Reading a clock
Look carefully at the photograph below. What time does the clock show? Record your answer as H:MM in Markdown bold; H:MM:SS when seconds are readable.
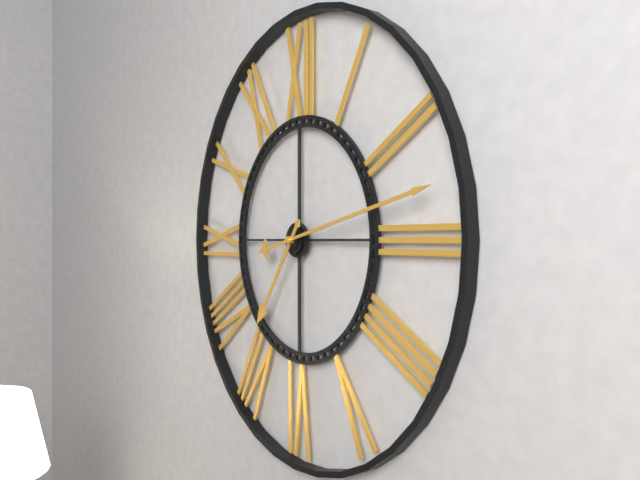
**7:13**
